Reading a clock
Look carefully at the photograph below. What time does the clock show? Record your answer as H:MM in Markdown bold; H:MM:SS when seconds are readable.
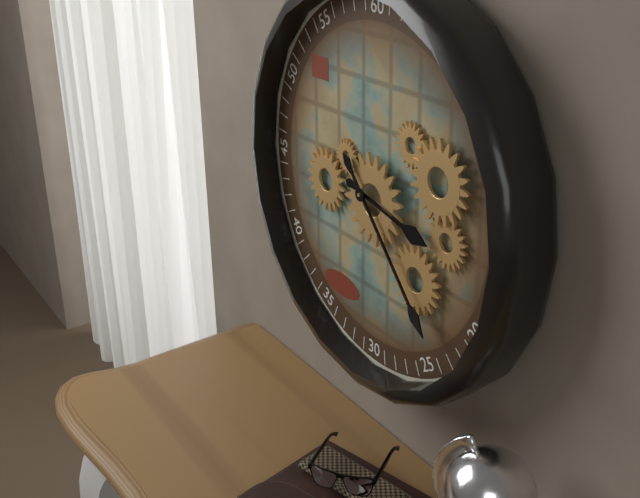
**3:23**
